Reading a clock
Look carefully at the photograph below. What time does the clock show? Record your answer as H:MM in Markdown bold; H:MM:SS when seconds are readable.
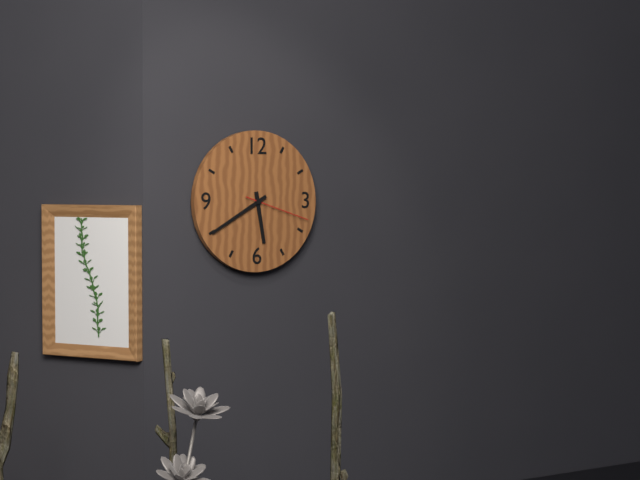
**5:40:18**
